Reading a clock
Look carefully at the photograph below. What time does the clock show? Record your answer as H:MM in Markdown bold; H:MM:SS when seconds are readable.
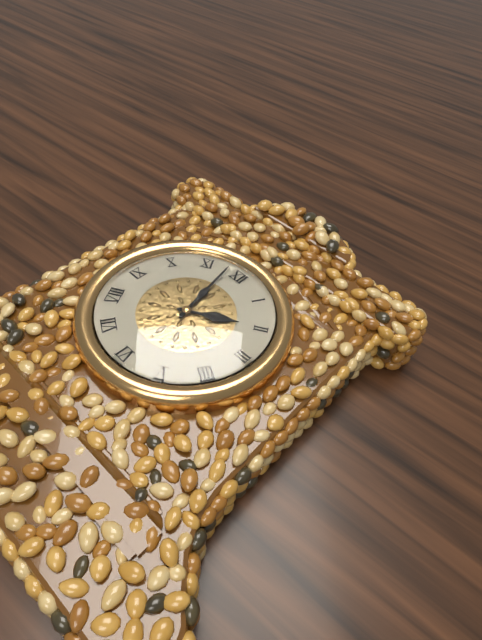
**1:58**
